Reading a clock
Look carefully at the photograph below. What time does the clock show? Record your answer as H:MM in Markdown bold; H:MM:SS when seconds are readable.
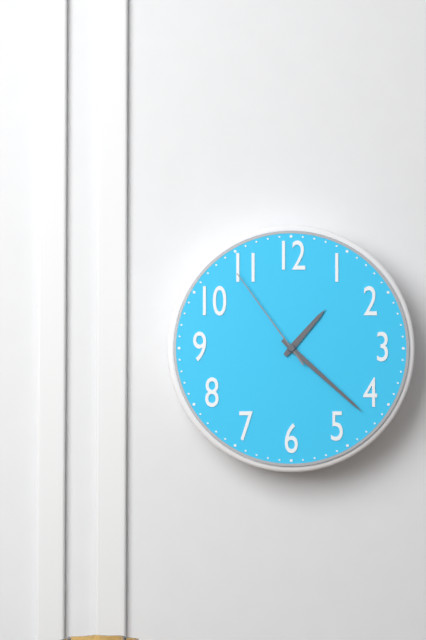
**1:22:54**
